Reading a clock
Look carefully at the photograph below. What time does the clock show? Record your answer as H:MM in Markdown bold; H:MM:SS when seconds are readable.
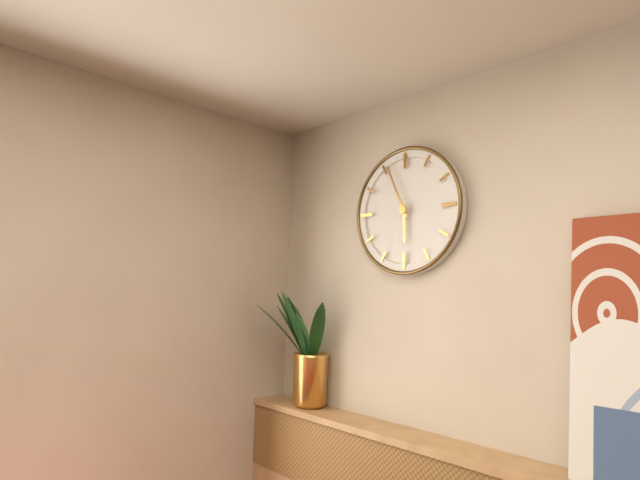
**5:56**
